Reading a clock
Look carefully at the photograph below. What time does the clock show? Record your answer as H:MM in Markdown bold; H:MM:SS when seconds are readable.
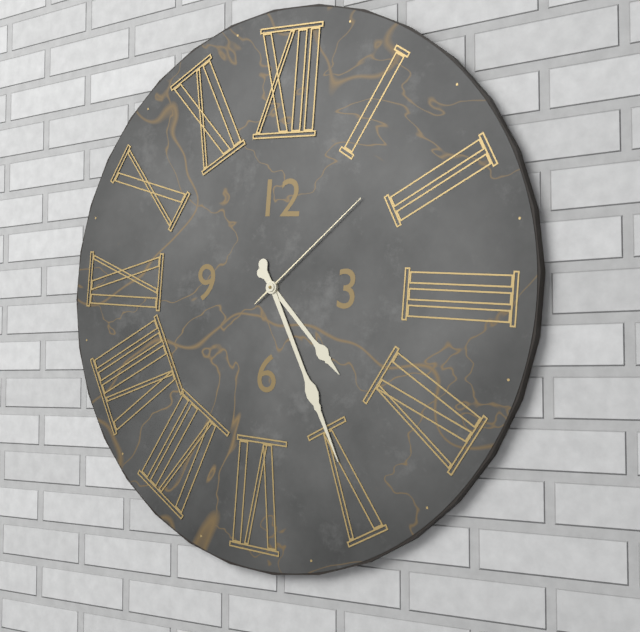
**4:25:08**
